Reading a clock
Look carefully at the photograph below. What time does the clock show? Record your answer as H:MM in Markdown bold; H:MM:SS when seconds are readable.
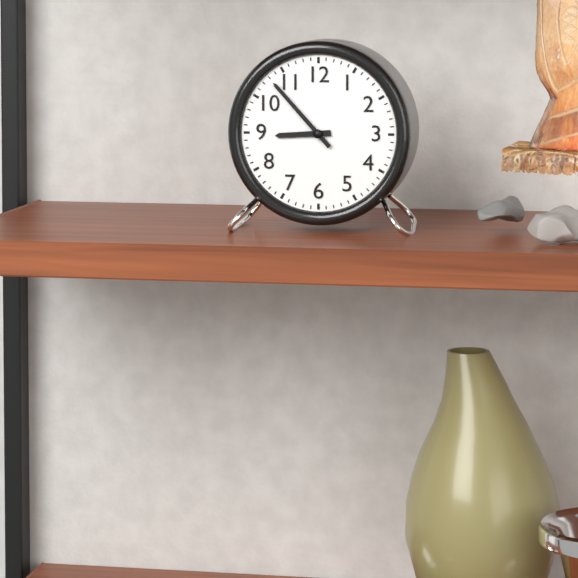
**8:53**
